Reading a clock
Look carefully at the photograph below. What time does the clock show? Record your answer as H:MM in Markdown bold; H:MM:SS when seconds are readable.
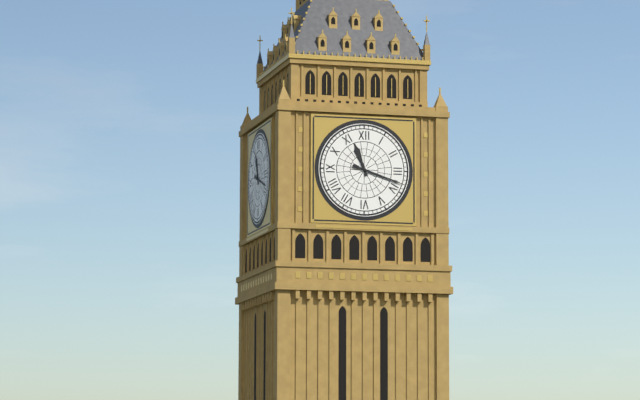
**11:18**
